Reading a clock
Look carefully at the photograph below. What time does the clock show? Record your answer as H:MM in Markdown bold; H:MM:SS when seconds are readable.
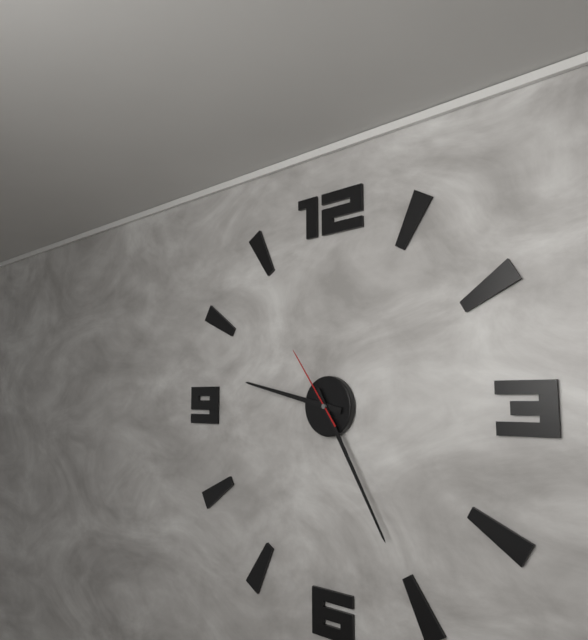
**9:25:54**
